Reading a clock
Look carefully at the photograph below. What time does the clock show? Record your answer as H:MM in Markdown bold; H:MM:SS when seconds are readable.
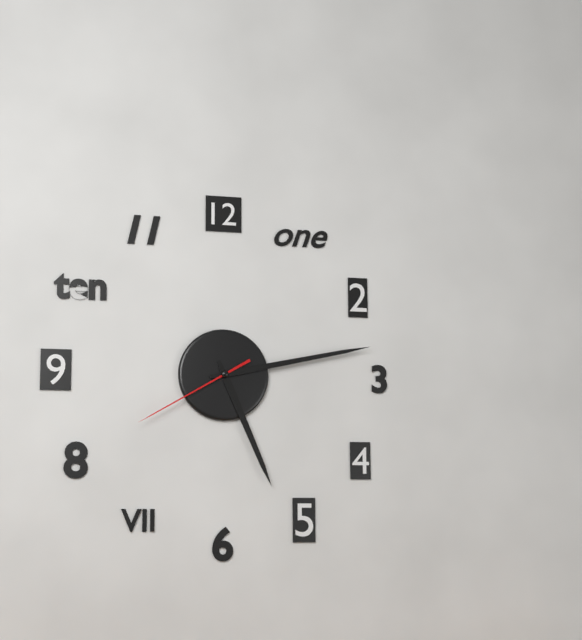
**5:13:40**
